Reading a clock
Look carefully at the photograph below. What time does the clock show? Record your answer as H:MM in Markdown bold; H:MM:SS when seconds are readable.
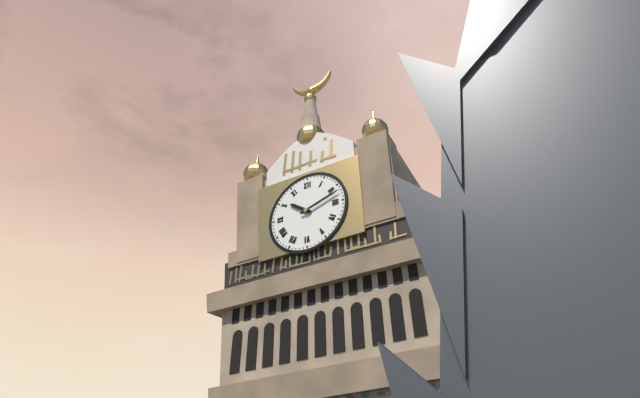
**10:12**
